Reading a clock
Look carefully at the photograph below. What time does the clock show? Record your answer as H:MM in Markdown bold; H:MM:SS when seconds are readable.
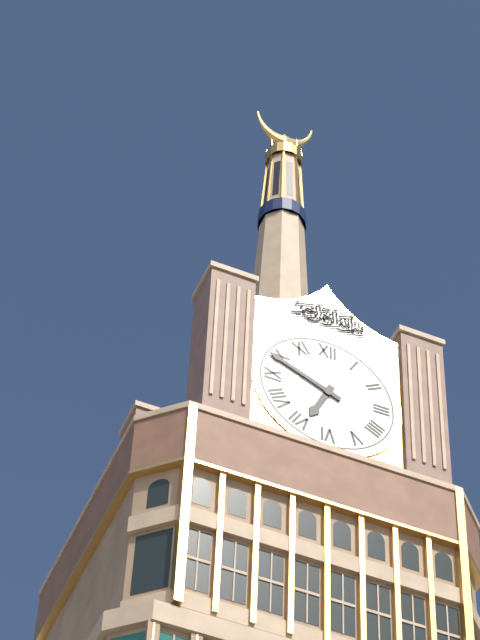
**6:49**
